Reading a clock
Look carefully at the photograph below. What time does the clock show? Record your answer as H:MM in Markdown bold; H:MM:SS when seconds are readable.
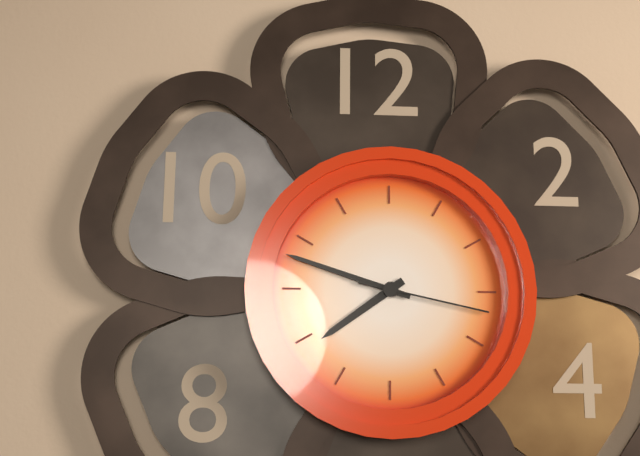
**7:48:17**
